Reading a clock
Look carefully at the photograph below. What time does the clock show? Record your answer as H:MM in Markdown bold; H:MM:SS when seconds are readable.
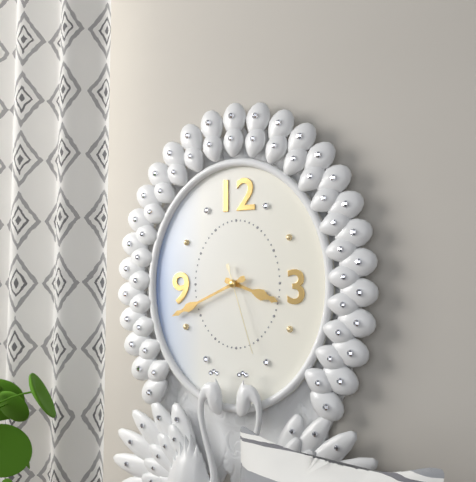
**3:41:27**
